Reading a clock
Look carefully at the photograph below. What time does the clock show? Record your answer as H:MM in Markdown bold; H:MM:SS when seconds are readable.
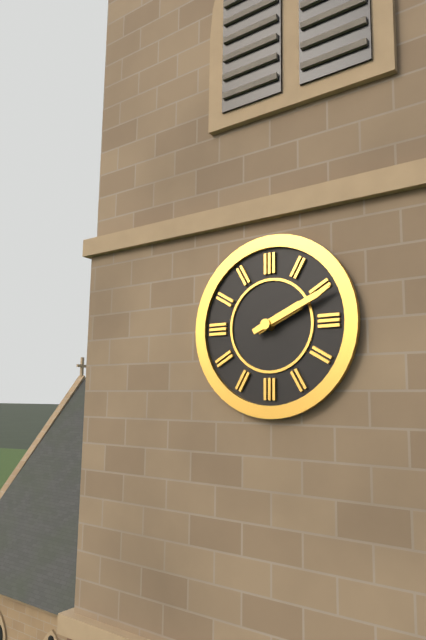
**2:11**
